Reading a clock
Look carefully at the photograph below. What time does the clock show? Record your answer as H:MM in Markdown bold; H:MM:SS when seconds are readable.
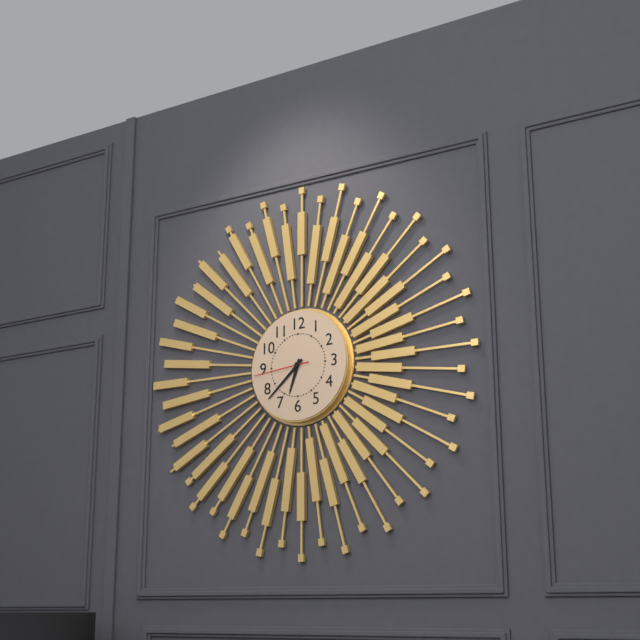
**6:38:44**
